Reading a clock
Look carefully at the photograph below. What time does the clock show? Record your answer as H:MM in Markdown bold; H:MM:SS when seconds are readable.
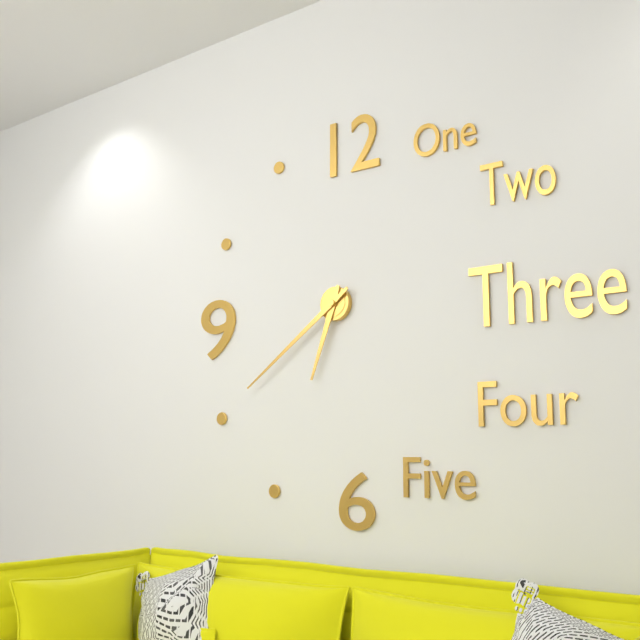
**6:39**
